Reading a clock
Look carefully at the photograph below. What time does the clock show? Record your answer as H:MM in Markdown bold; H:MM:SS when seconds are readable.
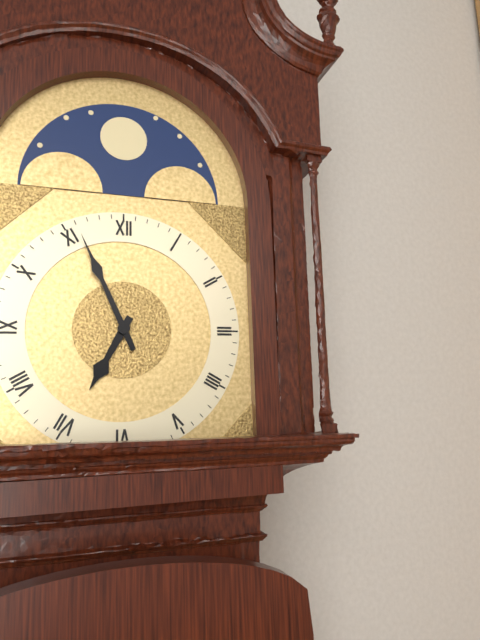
**6:56**
